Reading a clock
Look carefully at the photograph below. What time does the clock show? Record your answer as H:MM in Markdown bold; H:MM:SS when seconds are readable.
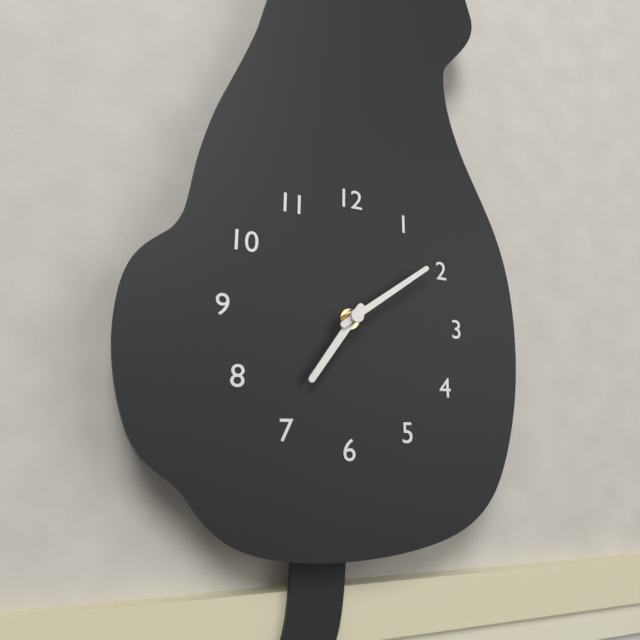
**7:09**
